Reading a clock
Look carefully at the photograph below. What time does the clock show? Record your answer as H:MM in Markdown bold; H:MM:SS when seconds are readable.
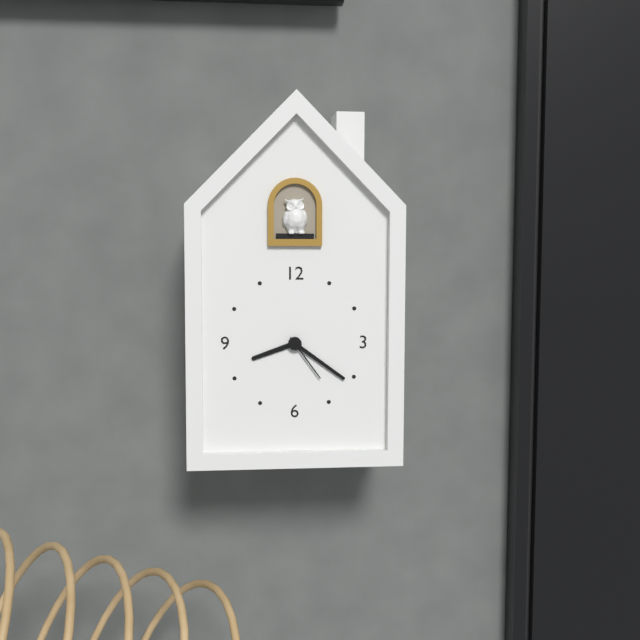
**8:21:24**
